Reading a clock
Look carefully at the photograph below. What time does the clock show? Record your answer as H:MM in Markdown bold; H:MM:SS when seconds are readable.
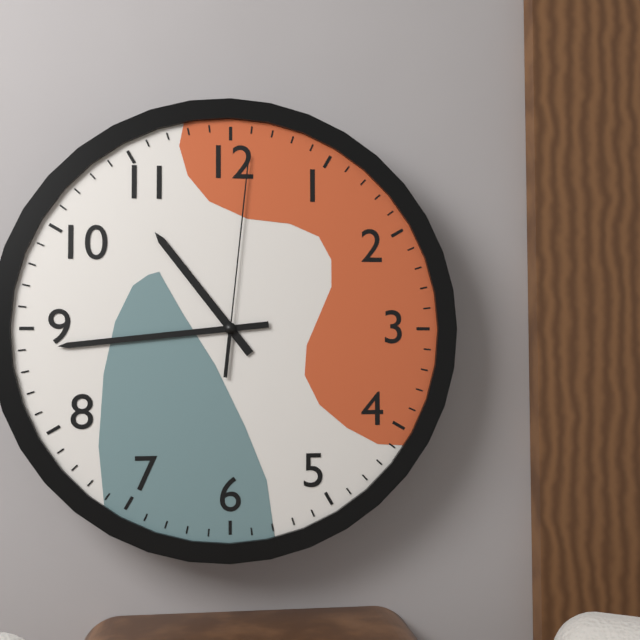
**10:44:01**
